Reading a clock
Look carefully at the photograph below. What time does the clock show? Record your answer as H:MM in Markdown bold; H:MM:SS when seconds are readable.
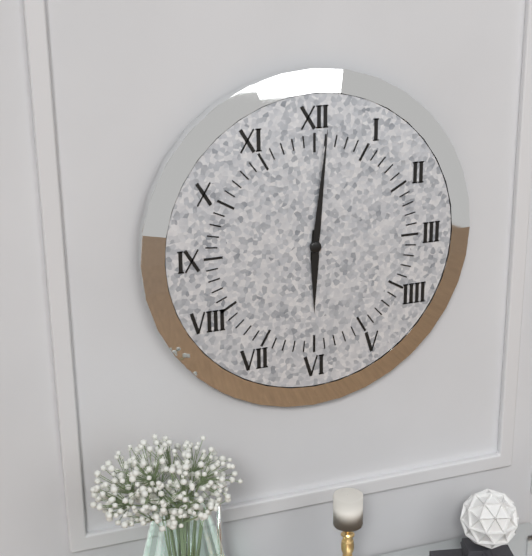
**6:01**
